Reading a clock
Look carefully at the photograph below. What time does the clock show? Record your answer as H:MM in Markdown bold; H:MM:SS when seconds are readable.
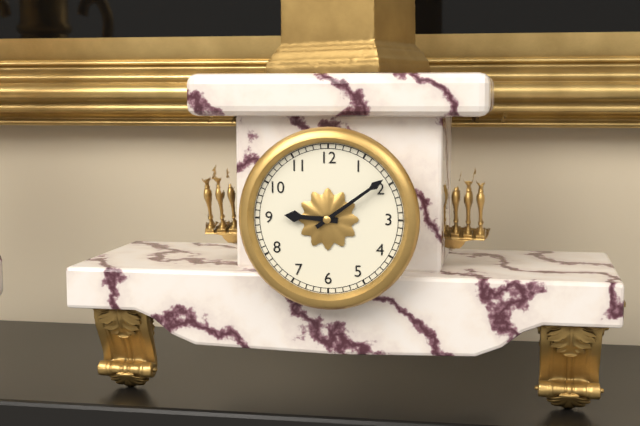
**9:09**
